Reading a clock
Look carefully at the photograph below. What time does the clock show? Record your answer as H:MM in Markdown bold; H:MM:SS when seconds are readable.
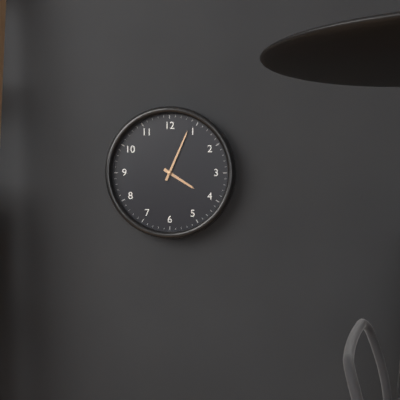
**4:04**
